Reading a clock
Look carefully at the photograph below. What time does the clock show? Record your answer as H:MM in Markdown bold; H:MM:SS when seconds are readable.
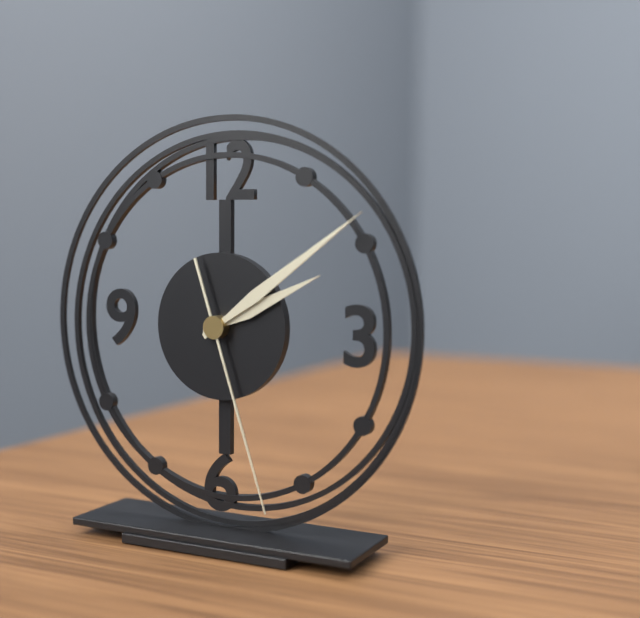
**2:09:27**
